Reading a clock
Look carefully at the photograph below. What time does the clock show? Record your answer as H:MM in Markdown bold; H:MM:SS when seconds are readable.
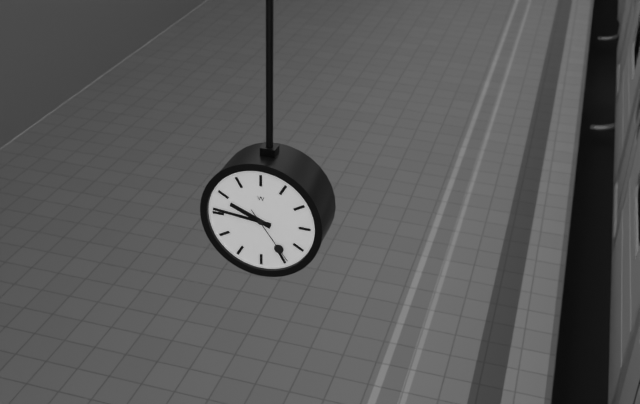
**9:46:24**
